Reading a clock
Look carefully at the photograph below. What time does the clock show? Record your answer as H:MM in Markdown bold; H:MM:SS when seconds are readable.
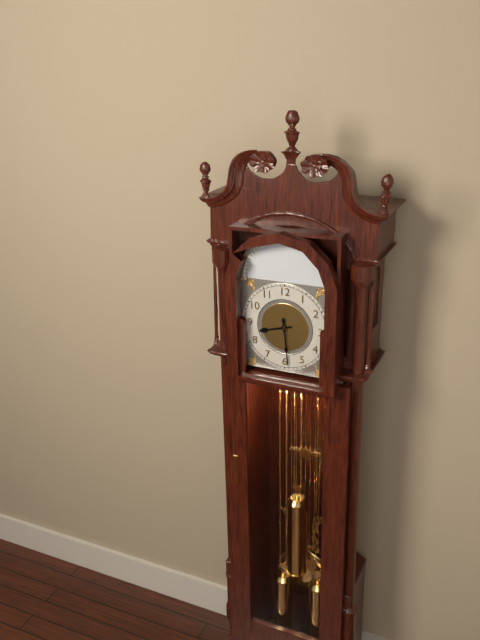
**8:29**
